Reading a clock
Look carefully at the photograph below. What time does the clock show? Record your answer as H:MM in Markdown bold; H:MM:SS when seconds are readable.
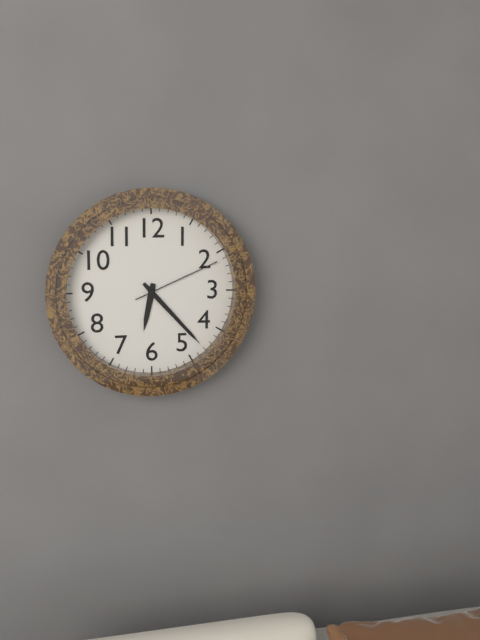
**6:23:11**
